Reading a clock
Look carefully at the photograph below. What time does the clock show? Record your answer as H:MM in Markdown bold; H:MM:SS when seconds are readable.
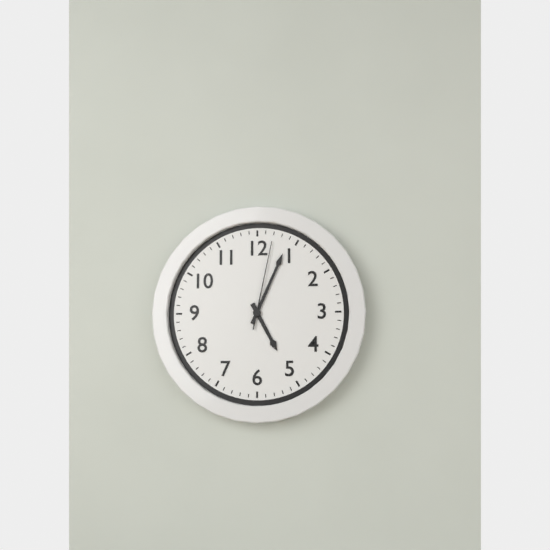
**5:04:02**
